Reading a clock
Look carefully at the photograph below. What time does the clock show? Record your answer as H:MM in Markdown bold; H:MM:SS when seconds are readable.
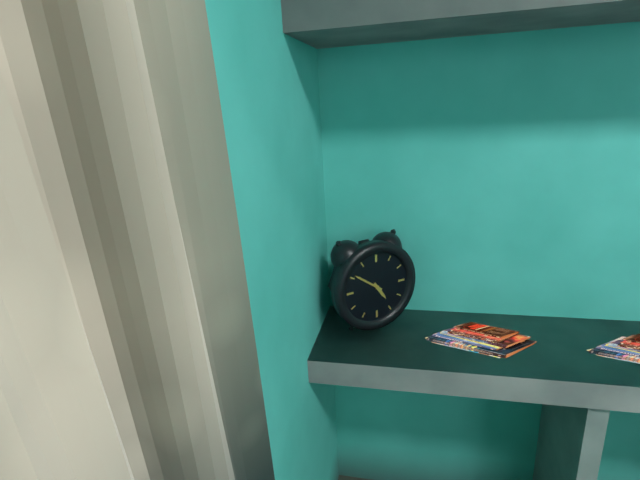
**4:51**
